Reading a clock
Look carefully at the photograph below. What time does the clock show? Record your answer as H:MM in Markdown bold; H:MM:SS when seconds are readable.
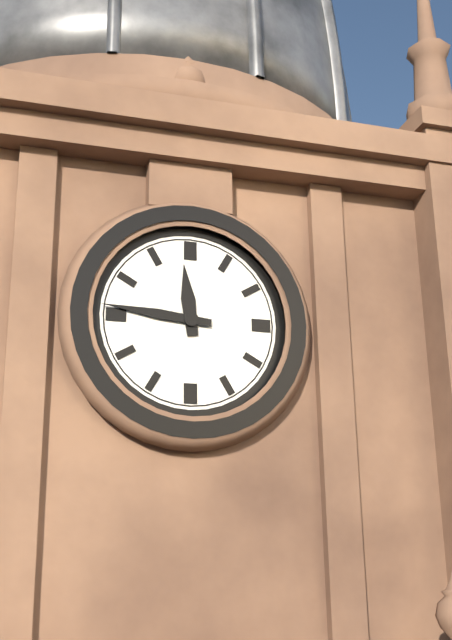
**11:46**
